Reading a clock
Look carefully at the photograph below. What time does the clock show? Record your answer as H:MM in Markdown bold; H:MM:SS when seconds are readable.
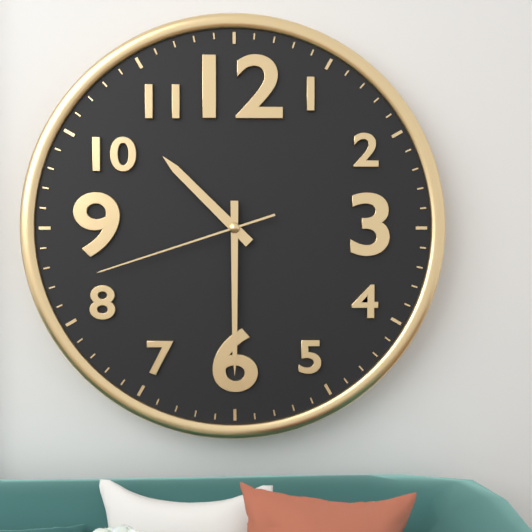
**10:30:42**
